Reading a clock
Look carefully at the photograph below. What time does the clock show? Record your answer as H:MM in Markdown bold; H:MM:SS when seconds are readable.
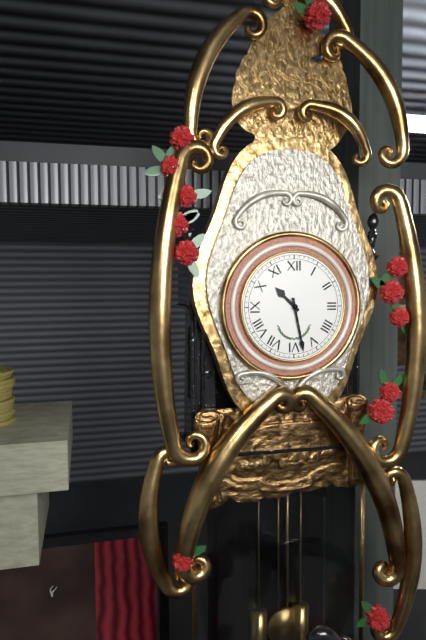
**10:28**
